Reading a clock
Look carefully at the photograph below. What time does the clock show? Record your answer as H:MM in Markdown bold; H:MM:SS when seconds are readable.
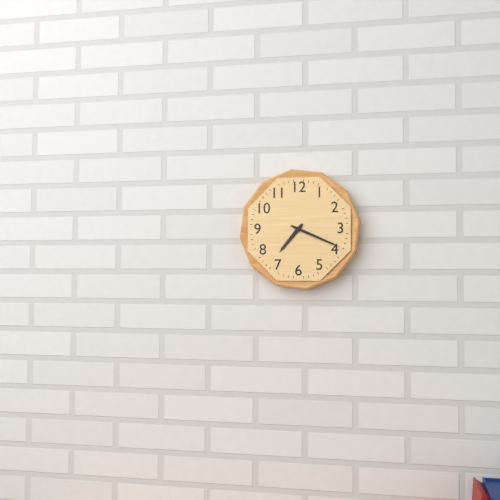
**7:19**
